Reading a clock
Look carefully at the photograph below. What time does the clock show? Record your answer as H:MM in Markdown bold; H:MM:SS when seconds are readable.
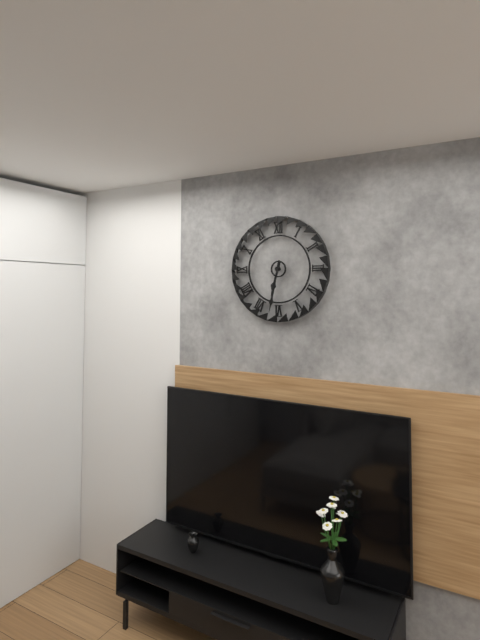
**6:32**
